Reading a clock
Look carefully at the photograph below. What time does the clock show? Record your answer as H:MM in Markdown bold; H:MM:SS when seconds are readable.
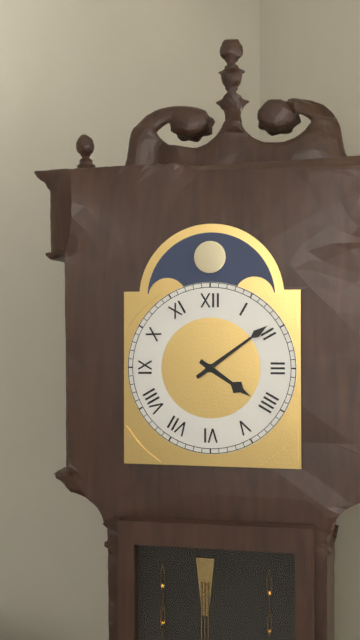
**4:09**
